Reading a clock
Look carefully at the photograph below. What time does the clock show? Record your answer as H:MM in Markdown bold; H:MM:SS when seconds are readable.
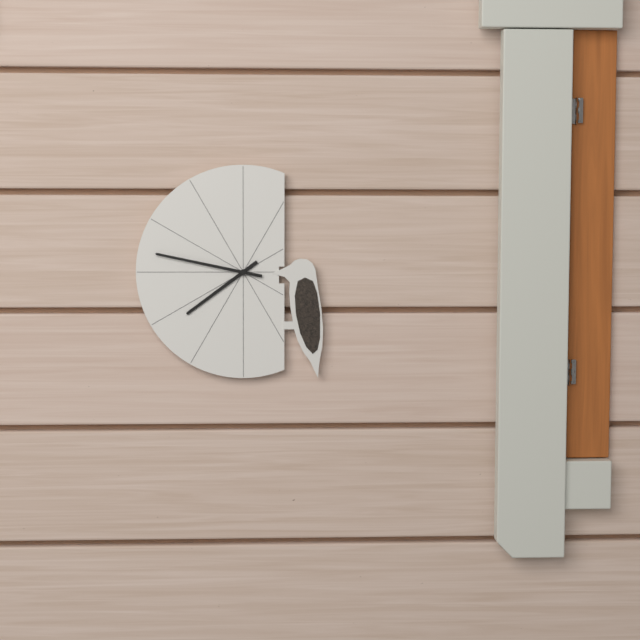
**7:47**
